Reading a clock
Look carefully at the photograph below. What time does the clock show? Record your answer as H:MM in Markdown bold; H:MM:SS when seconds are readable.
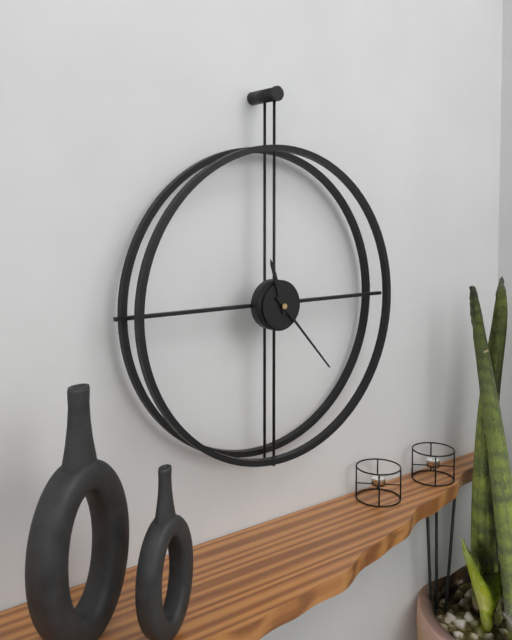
**11:23**
